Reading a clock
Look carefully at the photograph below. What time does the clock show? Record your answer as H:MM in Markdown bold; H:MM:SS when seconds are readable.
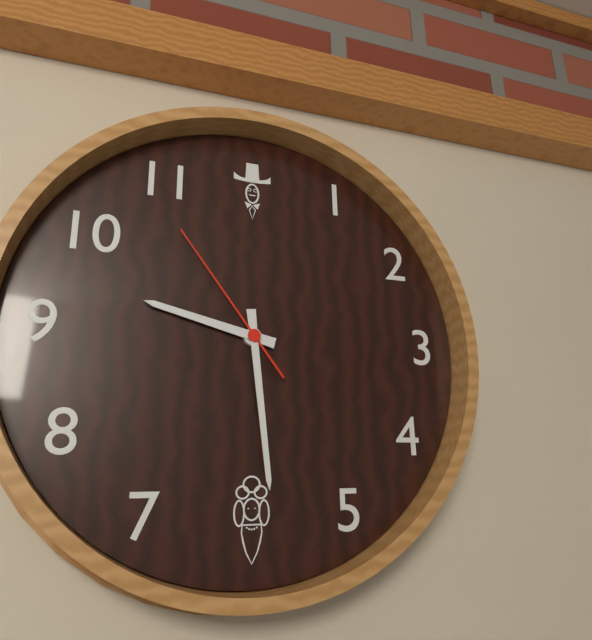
**9:29:54**
